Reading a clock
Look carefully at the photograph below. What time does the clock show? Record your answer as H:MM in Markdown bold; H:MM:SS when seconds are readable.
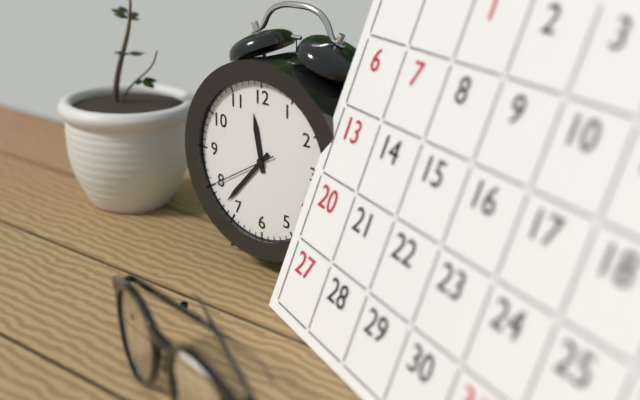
**11:37:40**
